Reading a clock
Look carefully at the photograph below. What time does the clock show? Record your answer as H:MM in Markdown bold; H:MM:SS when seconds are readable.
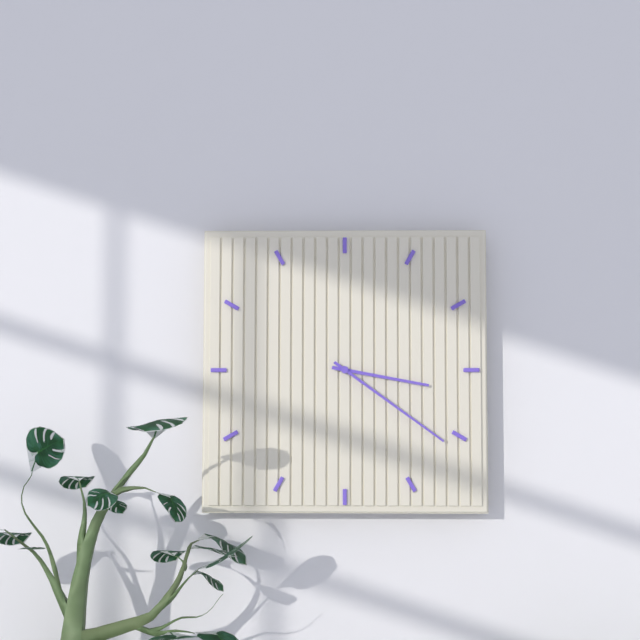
**3:21**
